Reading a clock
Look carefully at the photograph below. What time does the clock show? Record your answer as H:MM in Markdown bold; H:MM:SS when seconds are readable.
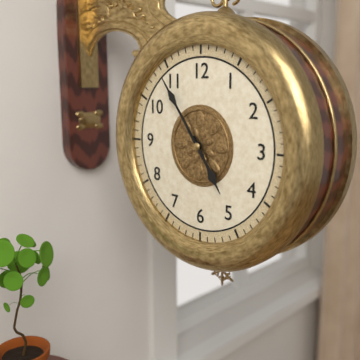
**4:54**
